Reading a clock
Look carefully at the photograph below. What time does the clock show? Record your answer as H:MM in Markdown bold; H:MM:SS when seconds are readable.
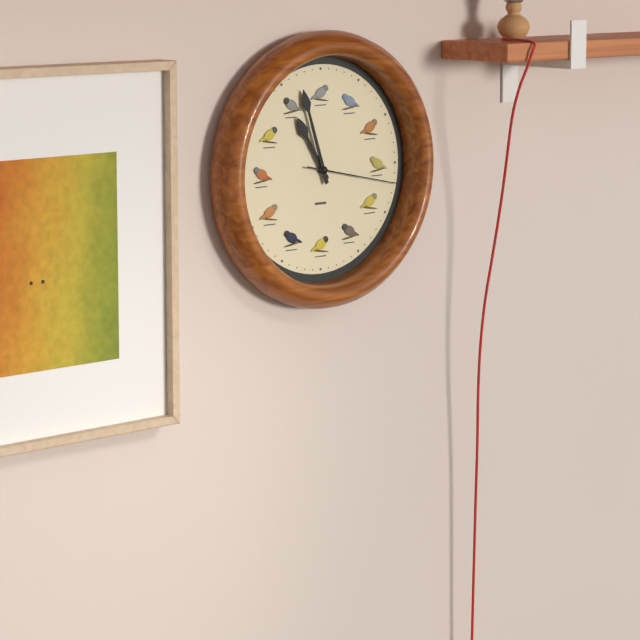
**10:57:17**
